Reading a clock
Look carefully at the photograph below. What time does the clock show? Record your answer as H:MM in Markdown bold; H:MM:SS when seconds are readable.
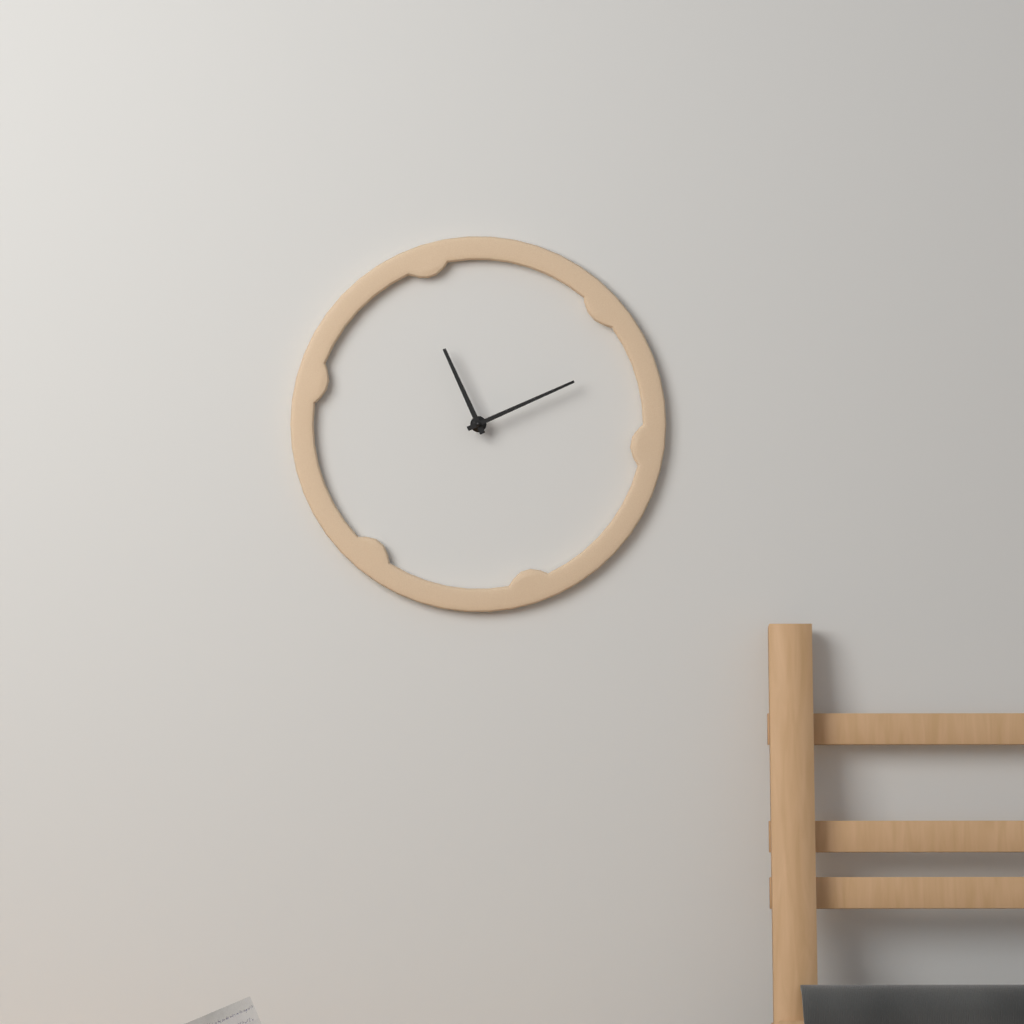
**11:11**
